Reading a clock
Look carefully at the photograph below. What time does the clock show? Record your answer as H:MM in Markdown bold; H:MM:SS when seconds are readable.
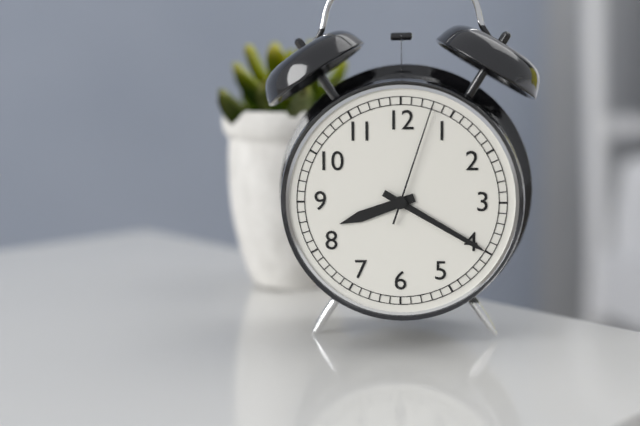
**8:20:03**
